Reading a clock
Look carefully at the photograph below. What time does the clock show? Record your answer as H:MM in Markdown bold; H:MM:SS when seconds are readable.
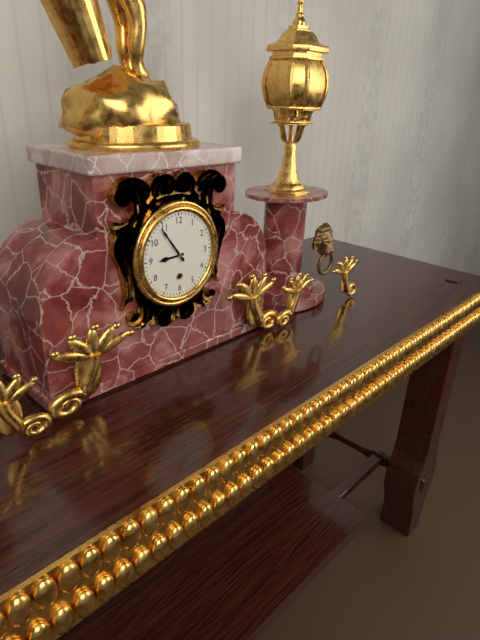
**8:54**
